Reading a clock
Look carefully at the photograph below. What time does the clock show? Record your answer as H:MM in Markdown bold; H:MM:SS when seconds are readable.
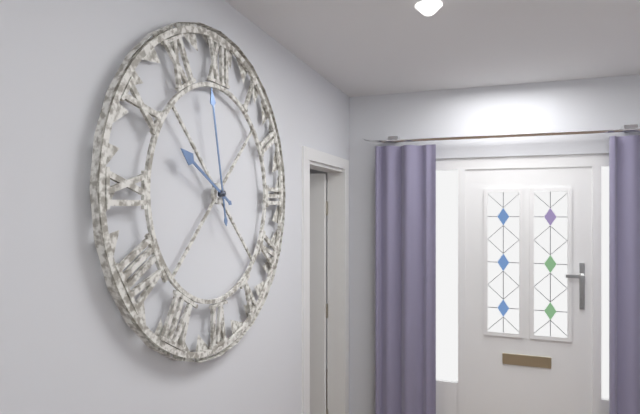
**9:58**
